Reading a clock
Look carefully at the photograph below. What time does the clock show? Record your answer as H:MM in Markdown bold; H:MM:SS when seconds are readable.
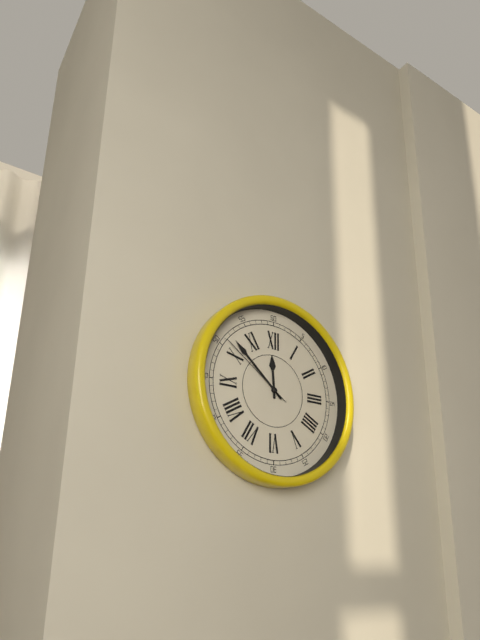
**11:52:51**
